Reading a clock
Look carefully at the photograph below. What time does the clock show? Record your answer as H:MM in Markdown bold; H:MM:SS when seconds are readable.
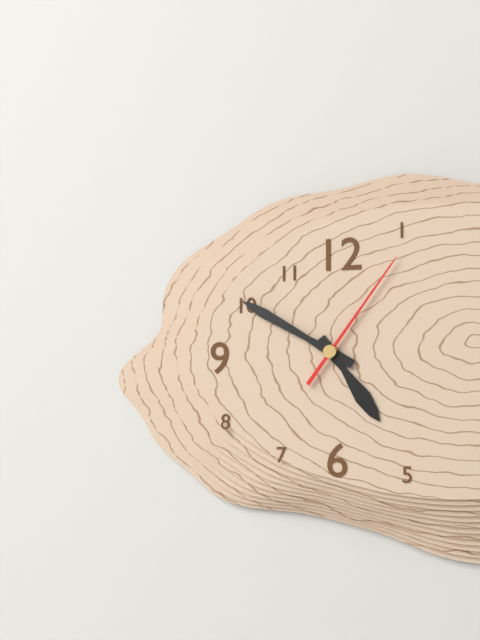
**4:50:06**
